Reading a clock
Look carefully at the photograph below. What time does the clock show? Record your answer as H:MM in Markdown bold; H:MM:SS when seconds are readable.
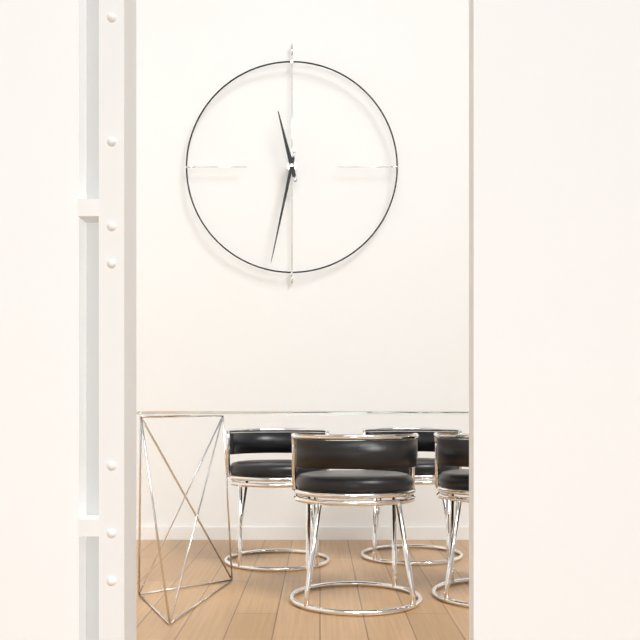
**11:32**
